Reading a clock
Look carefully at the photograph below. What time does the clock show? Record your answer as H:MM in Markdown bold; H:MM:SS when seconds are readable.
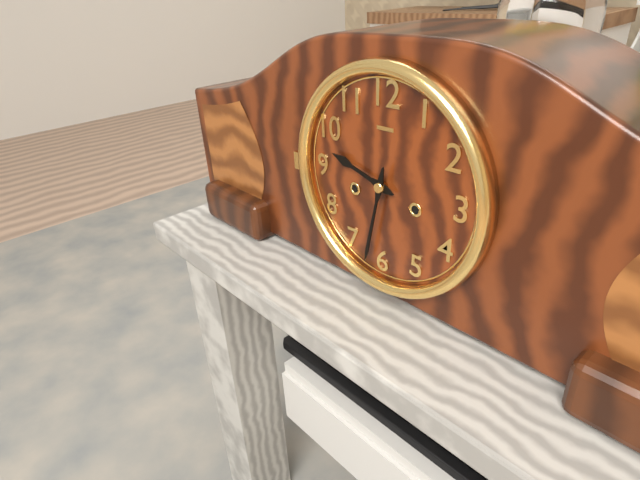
**9:32**
